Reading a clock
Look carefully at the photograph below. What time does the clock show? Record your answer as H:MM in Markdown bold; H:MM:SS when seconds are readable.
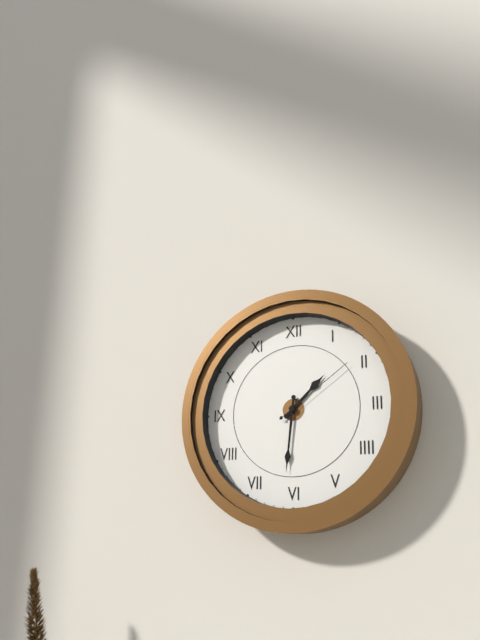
**1:31:09**
